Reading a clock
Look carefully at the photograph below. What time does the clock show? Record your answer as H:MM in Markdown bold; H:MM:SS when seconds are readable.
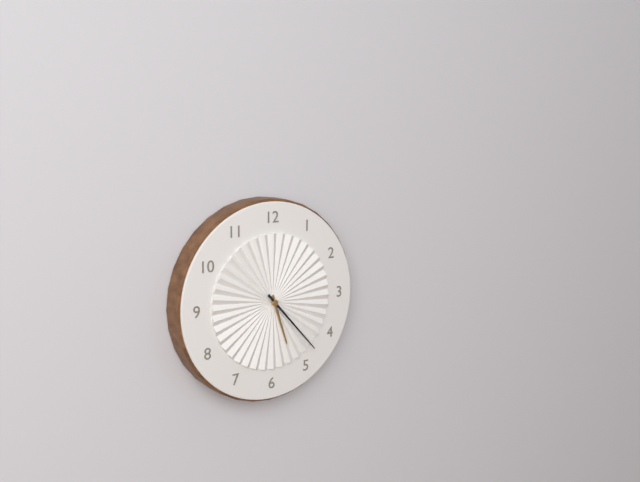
**5:23**
